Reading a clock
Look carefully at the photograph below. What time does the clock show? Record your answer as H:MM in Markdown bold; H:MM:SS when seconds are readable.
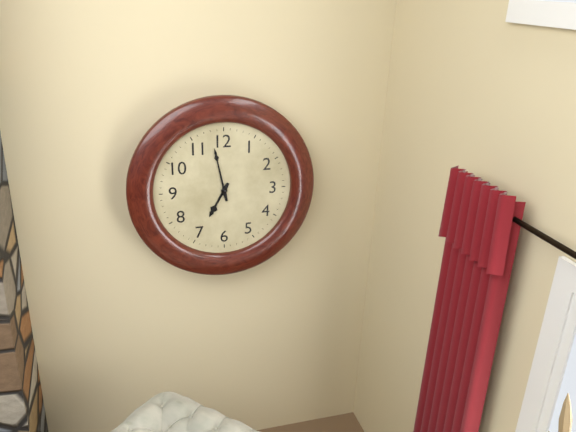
**6:58**
